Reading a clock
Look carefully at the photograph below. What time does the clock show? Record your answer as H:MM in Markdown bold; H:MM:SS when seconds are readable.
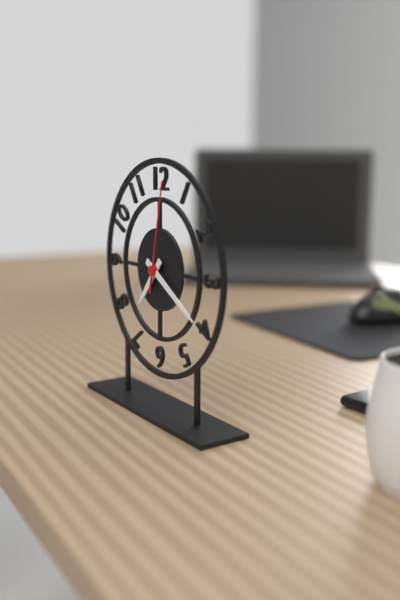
**7:20:02**
